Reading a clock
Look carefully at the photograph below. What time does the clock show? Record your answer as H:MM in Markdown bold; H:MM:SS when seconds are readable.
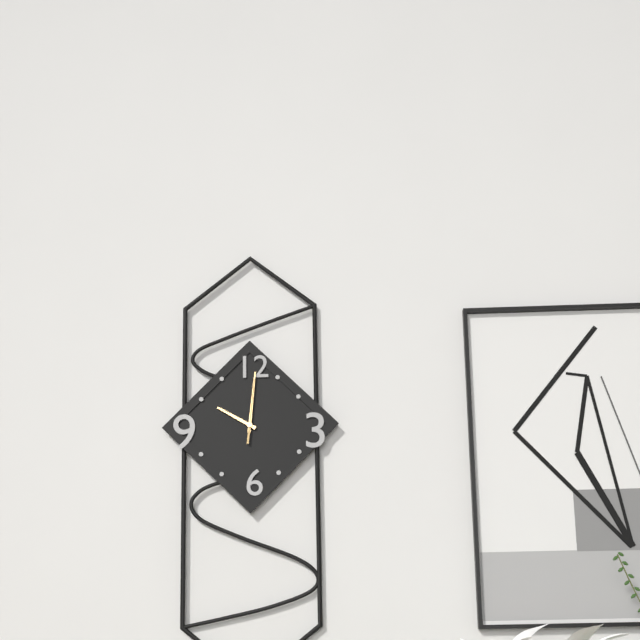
**10:01:01**
